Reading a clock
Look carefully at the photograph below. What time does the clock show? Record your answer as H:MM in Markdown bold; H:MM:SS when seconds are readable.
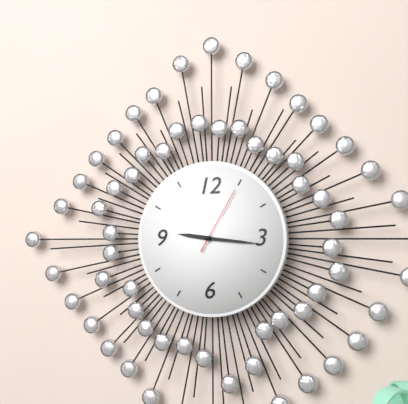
**9:16:05**
